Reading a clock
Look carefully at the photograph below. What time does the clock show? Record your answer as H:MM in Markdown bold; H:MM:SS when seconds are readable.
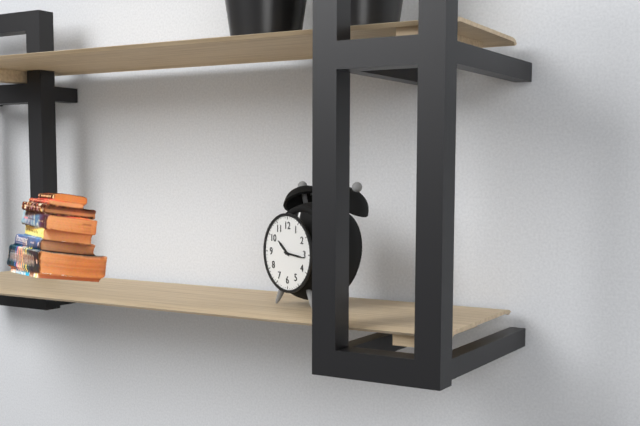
**10:16**
